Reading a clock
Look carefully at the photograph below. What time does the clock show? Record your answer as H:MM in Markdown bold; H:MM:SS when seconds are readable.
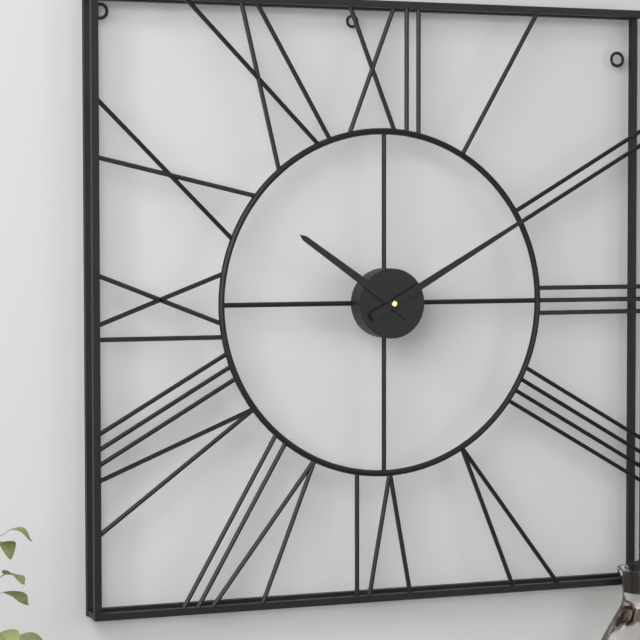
**10:10**
